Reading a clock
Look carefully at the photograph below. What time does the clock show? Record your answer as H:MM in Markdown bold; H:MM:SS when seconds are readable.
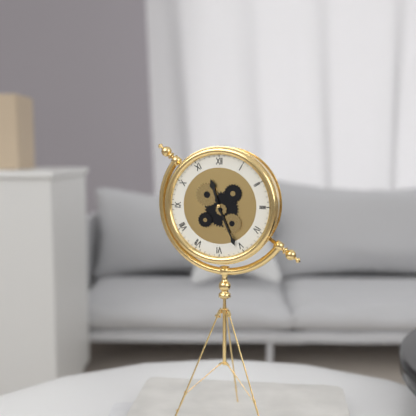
**11:26**
